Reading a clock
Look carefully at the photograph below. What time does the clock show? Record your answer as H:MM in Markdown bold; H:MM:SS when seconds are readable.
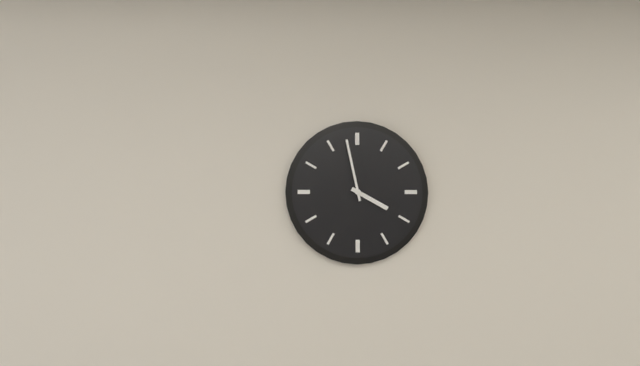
**3:58**
